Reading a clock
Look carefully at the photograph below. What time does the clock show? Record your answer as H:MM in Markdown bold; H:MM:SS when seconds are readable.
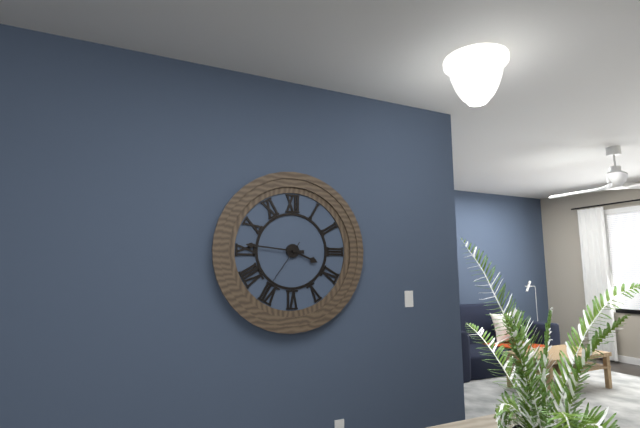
**3:46:36**
